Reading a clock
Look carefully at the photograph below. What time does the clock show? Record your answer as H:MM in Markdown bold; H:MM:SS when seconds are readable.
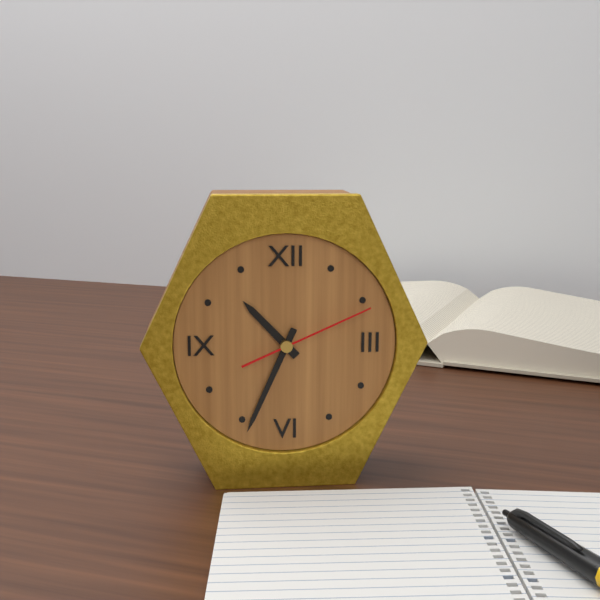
**10:34:11**
